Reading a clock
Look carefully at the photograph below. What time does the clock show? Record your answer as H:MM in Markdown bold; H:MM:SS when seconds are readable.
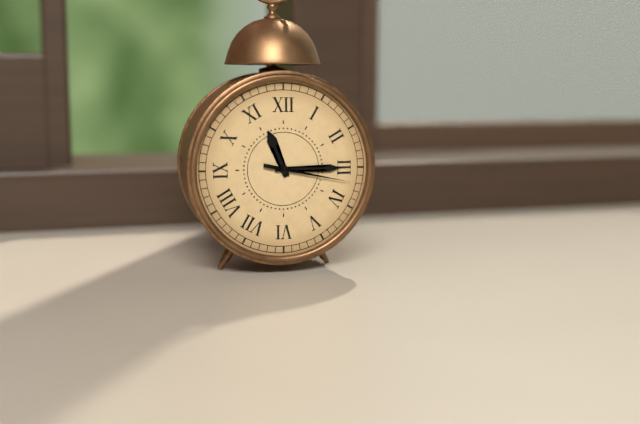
**11:15:17**
